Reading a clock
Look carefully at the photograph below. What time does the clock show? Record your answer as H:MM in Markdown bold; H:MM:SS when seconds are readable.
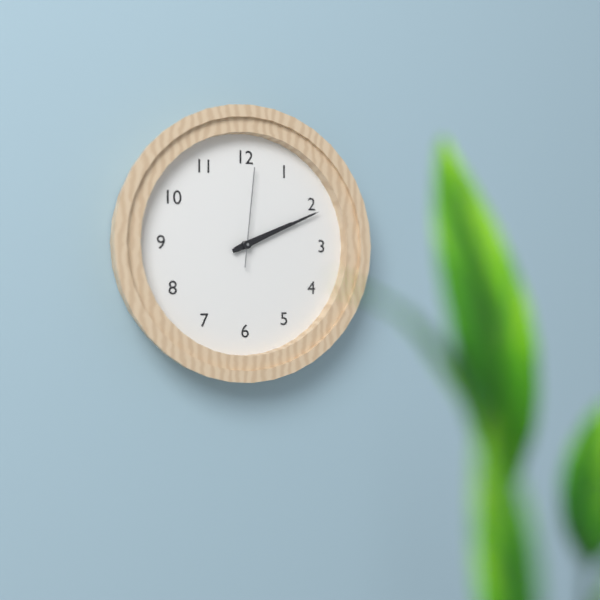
**2:11:01**
